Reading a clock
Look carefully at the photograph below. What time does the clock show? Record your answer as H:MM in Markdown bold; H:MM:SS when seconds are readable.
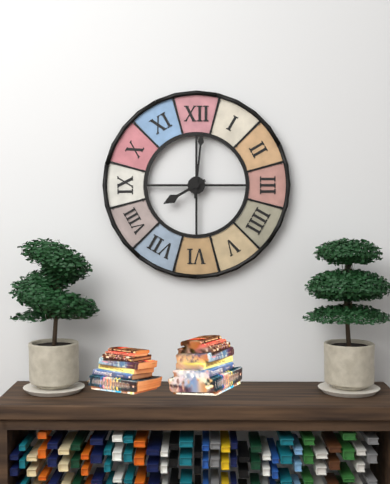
**8:01**
